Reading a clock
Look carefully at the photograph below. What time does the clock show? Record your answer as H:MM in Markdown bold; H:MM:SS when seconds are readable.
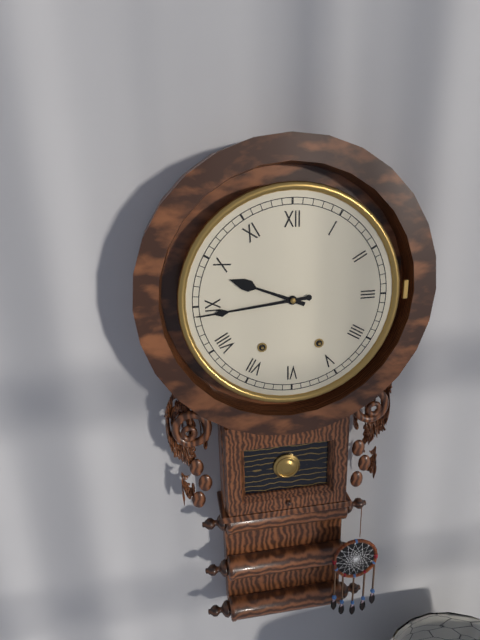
**9:44**
